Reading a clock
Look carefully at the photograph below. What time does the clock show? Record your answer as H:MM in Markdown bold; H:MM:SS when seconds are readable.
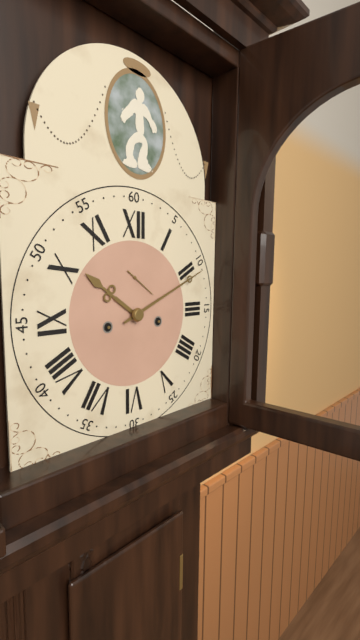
**10:11**
